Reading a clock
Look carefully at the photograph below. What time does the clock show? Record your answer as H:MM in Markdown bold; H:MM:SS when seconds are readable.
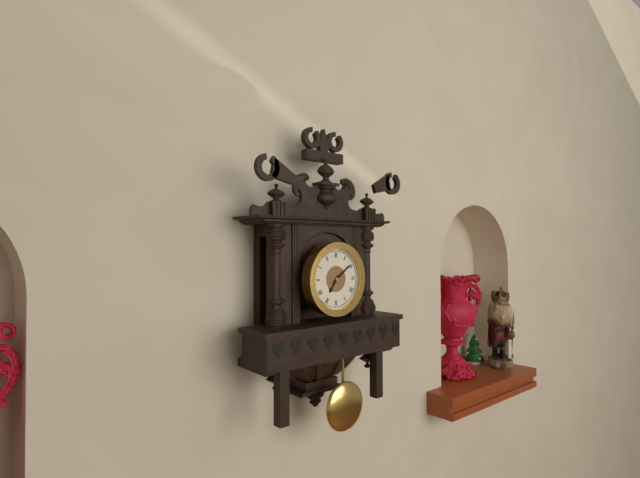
**7:09**
